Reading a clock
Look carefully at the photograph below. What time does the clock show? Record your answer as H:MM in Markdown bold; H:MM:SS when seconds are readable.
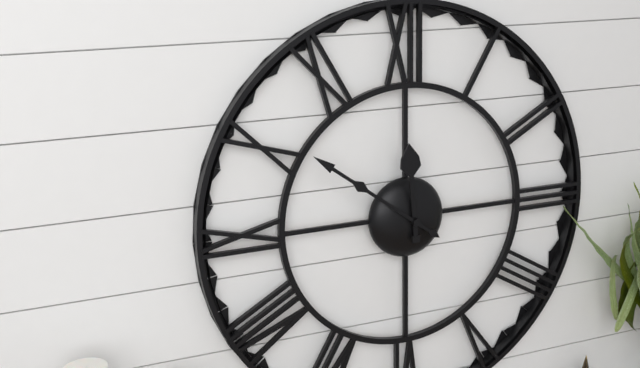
**11:51**
